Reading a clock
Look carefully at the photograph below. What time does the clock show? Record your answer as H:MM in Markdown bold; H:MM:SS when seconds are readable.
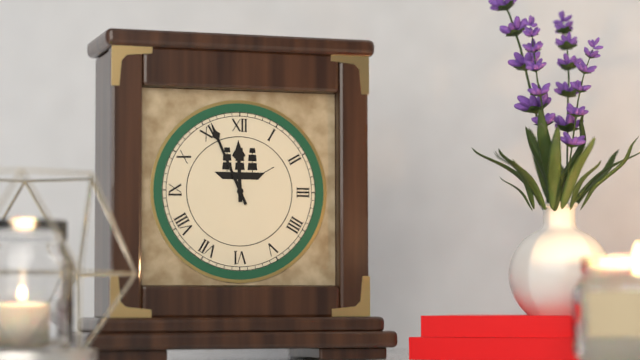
**11:56**
